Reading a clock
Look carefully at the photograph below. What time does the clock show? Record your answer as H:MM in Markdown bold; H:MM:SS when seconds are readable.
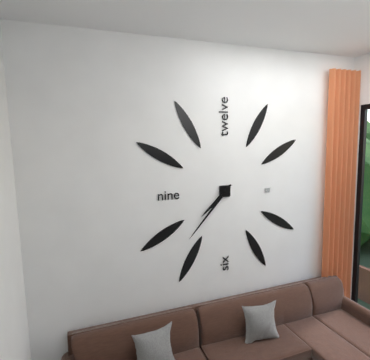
**7:37**
